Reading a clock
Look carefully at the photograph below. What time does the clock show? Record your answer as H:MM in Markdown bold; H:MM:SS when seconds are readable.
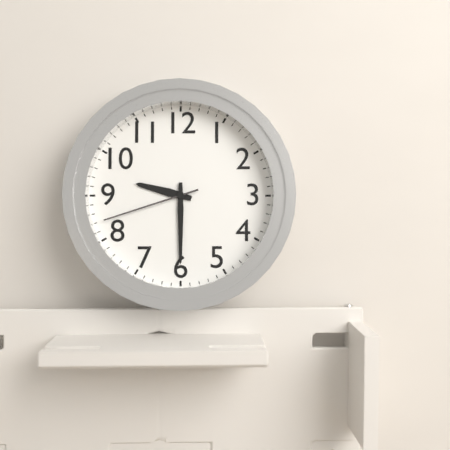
**9:30:42**
